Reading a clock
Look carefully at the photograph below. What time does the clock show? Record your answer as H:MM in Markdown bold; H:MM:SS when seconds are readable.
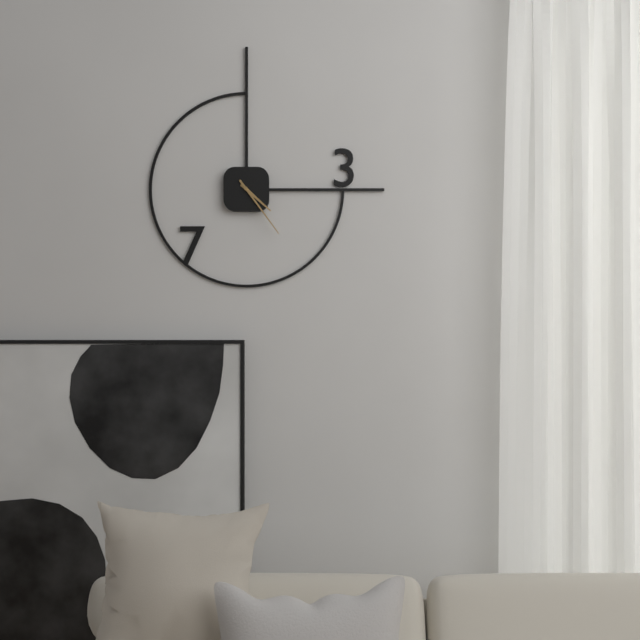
**4:24**
